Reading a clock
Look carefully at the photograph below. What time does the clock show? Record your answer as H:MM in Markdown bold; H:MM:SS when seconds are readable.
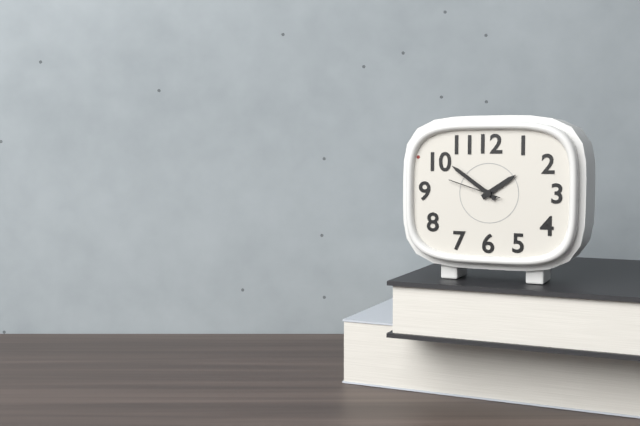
**1:51:48**
